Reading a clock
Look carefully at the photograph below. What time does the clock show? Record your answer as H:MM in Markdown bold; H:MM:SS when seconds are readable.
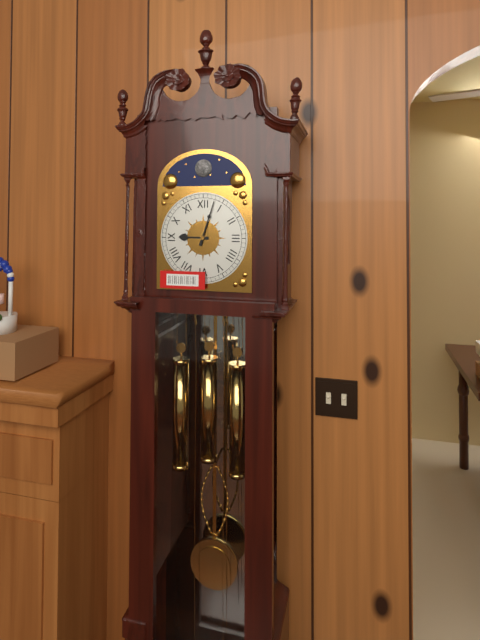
**9:03**
